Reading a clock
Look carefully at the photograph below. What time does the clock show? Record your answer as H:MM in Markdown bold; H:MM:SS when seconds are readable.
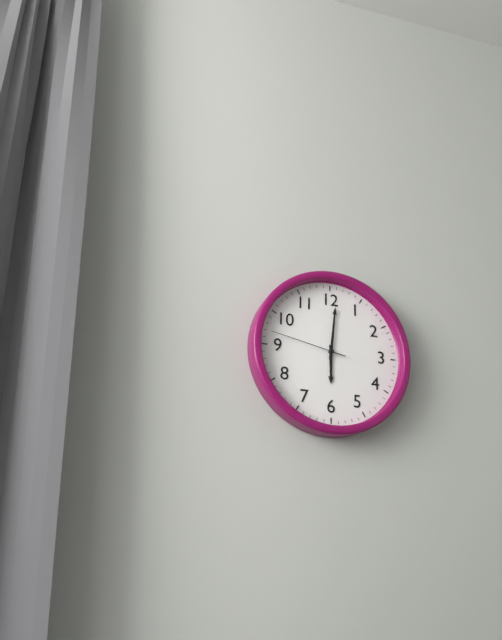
**6:01:47**
